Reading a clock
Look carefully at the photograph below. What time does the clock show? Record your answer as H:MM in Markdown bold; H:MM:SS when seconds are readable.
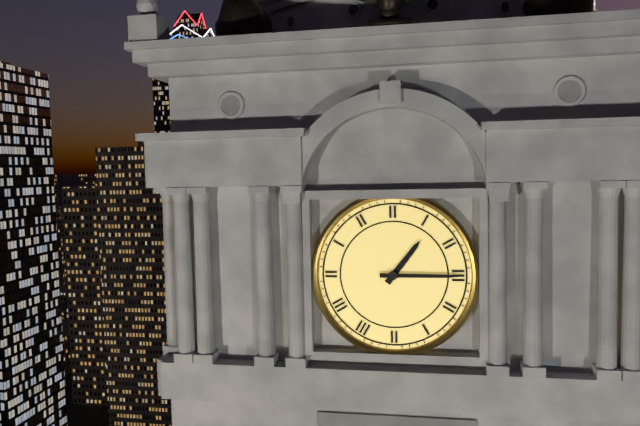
**1:15**
